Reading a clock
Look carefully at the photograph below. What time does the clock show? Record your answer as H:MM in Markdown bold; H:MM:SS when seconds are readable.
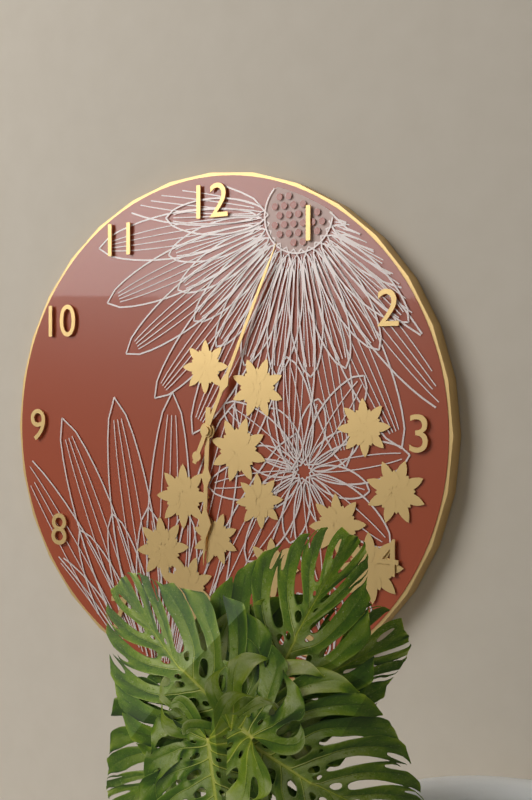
**6:04**
